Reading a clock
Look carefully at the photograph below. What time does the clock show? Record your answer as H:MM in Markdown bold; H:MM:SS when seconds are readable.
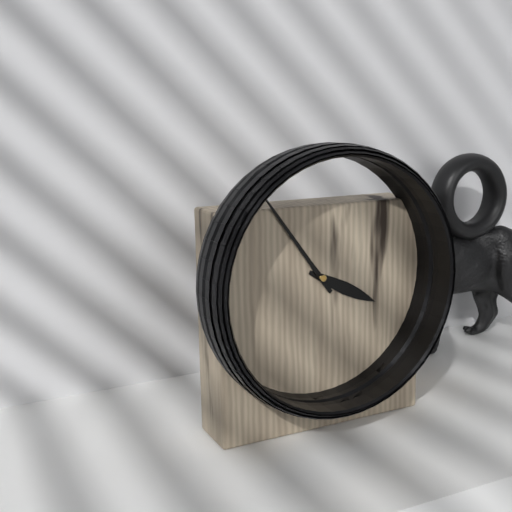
**3:54**
